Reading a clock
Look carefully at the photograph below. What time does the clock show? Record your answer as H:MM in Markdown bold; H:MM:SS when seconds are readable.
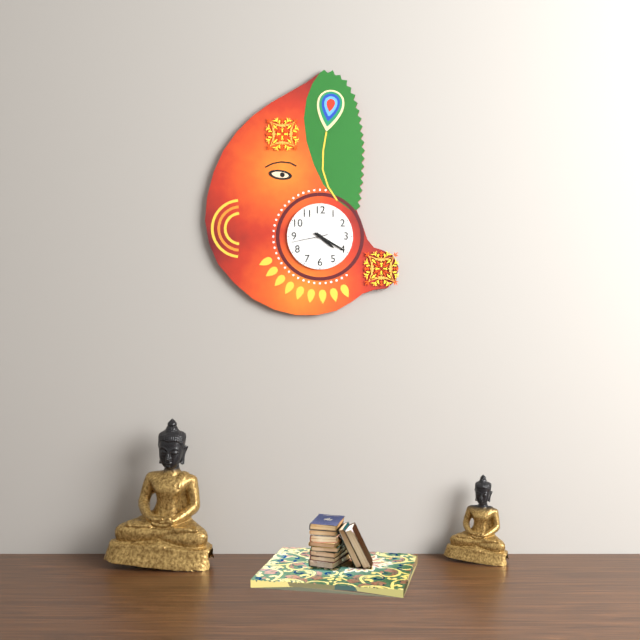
**4:20**
